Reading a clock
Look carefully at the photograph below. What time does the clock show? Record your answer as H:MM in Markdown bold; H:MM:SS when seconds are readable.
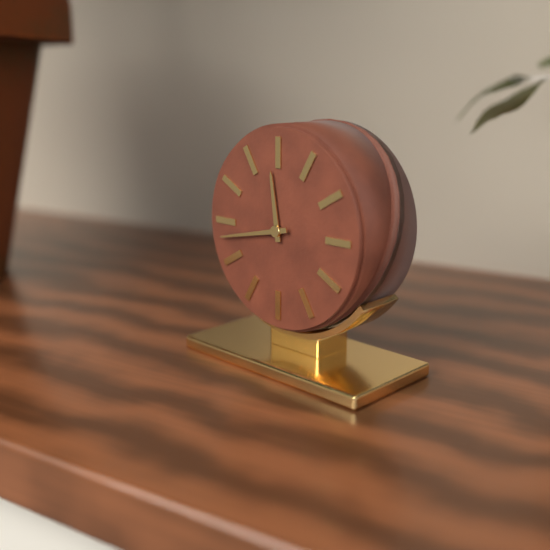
**11:43**
